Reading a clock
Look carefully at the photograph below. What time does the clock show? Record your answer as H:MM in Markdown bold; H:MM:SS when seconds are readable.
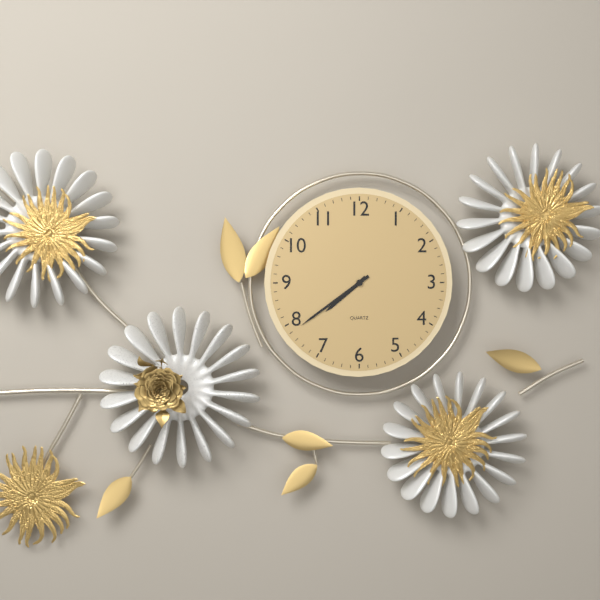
**7:39**
